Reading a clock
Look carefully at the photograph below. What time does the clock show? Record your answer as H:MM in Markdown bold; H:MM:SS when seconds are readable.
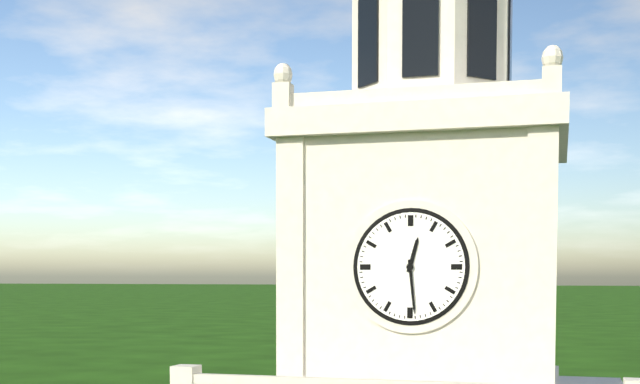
**12:29**
